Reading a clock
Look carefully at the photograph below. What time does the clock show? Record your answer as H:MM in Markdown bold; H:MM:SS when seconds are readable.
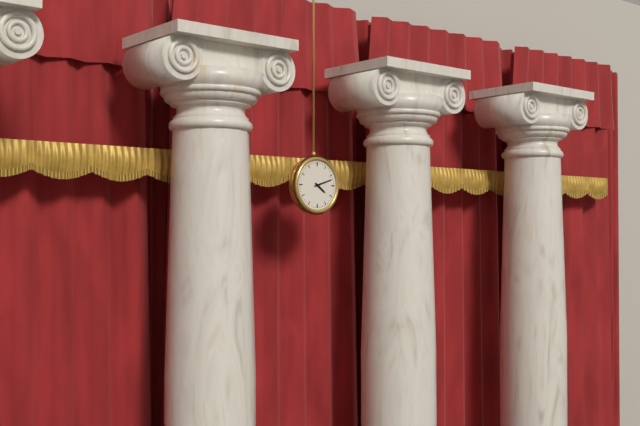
**4:12**
